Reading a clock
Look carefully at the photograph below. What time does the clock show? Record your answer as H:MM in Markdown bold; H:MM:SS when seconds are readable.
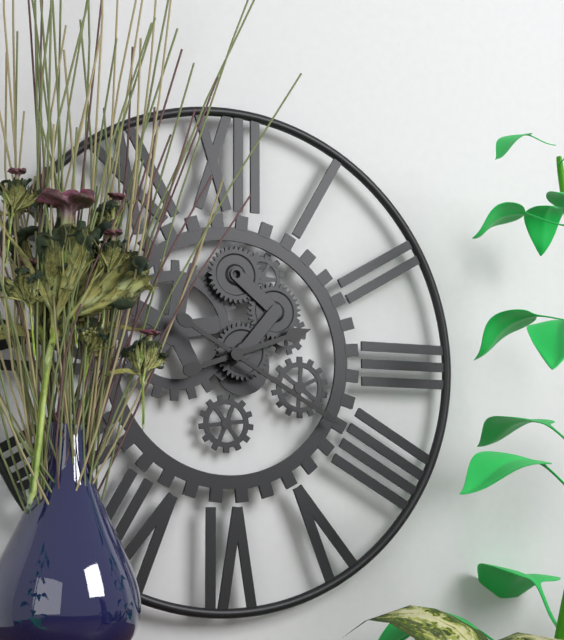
**2:20**
